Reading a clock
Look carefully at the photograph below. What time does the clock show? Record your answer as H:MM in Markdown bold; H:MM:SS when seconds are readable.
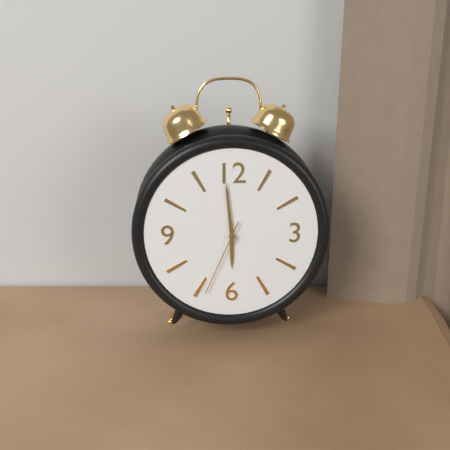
**5:59:34**
